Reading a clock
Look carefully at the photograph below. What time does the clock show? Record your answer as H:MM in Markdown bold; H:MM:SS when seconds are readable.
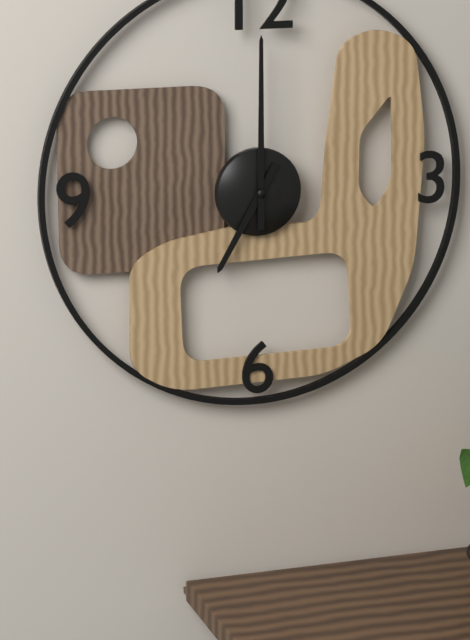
**7:00**
